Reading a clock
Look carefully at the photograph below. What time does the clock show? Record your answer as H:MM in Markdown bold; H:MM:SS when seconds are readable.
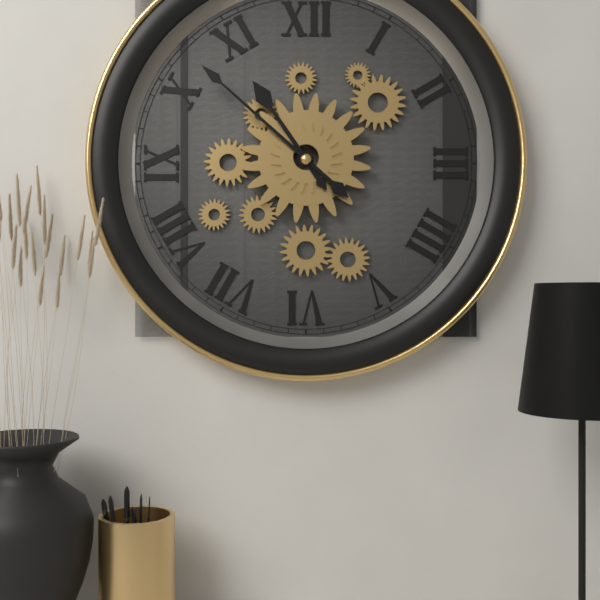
**10:52**
